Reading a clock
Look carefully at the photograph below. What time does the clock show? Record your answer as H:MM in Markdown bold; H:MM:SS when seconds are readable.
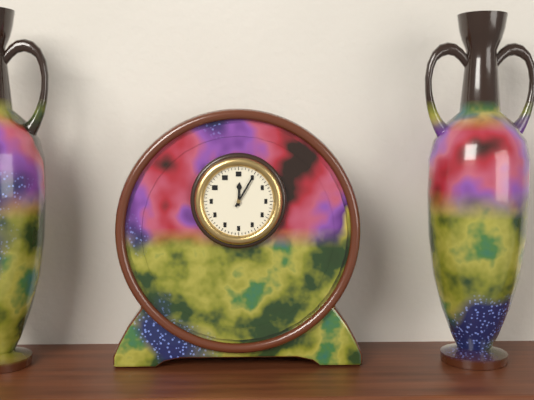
**12:05**
